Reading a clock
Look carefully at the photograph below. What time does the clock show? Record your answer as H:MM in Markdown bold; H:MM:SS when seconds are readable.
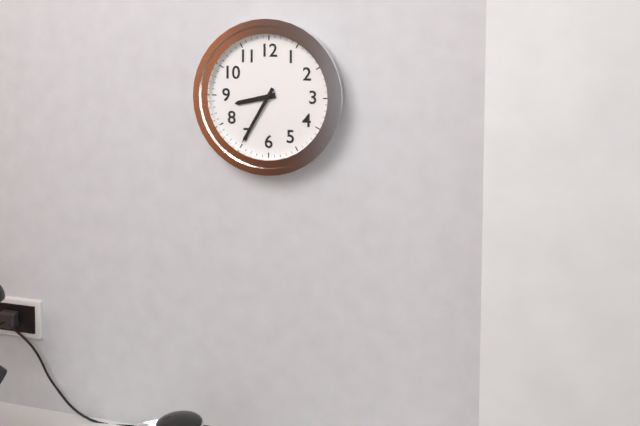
**8:35**
